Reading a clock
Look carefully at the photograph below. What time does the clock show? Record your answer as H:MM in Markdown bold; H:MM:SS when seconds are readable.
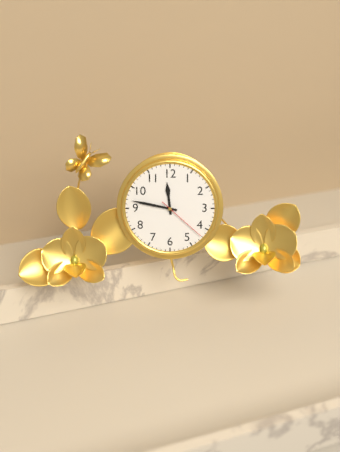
**11:47:22**
